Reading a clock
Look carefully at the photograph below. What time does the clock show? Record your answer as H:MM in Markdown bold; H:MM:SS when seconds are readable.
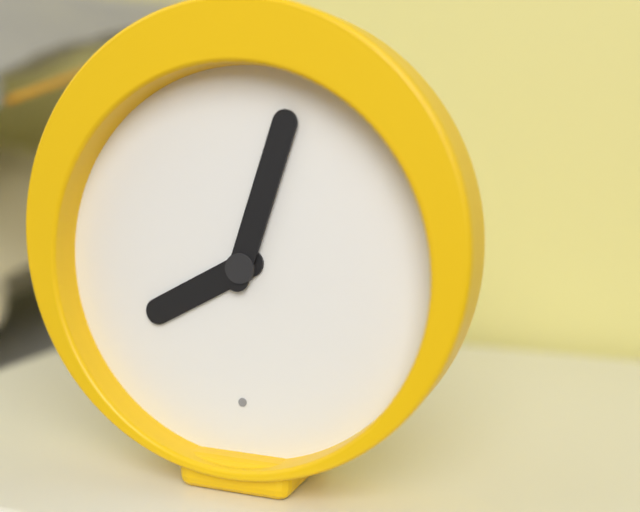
**8:03**
